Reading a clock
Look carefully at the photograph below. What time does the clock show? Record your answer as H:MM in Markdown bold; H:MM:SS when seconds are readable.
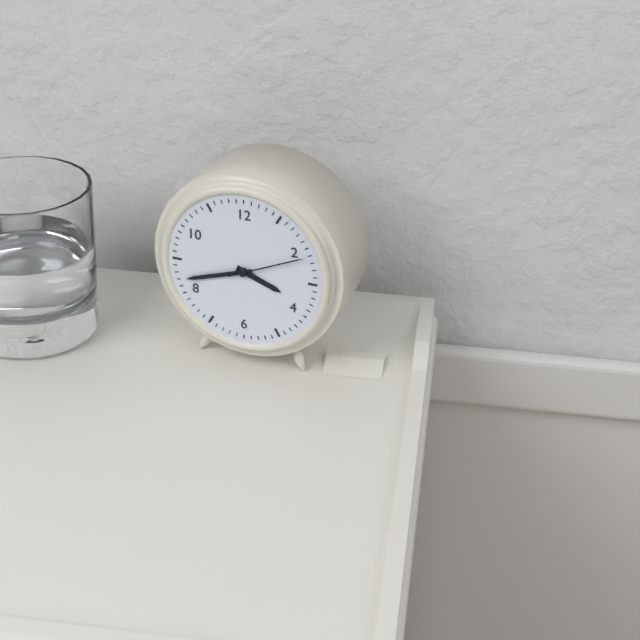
**3:42:11**
